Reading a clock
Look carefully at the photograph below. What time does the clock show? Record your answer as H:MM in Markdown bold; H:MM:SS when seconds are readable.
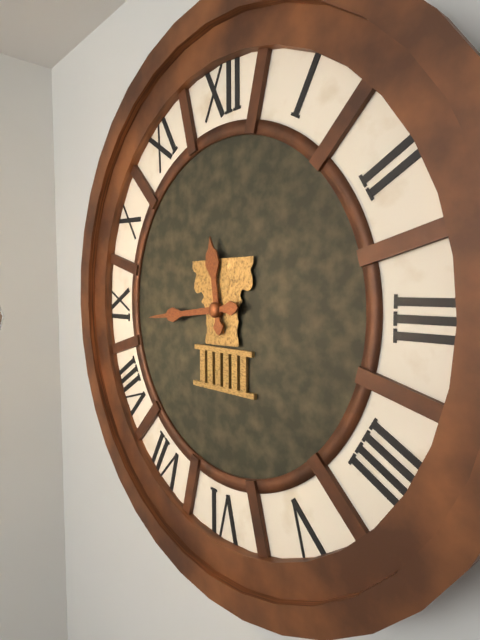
**11:44**
